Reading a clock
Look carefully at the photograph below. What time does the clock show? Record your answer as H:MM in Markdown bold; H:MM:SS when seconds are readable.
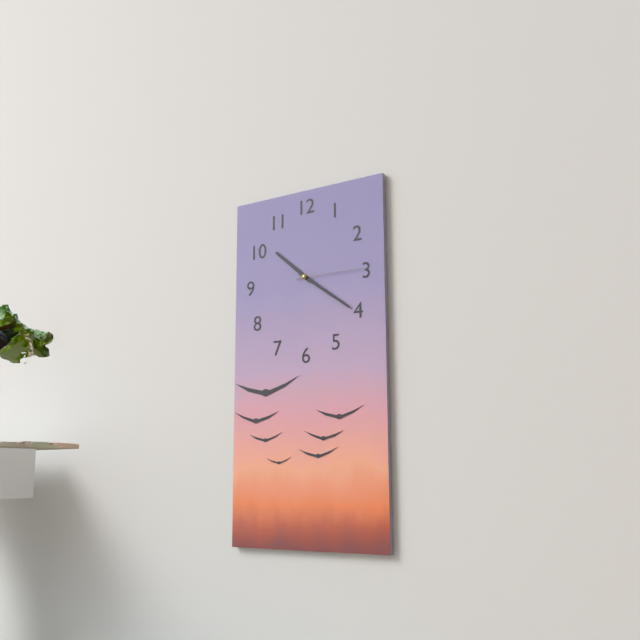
**10:21:15**
